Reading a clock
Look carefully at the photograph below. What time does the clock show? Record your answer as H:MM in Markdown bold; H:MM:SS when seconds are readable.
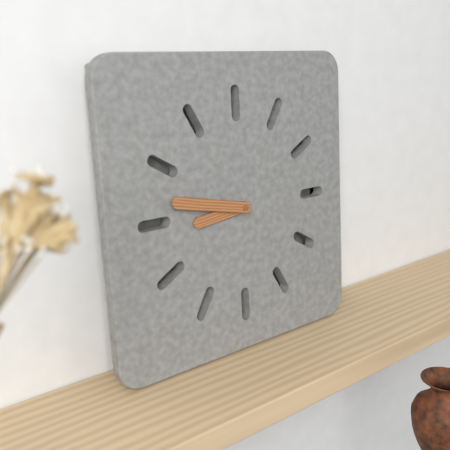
**8:47**
